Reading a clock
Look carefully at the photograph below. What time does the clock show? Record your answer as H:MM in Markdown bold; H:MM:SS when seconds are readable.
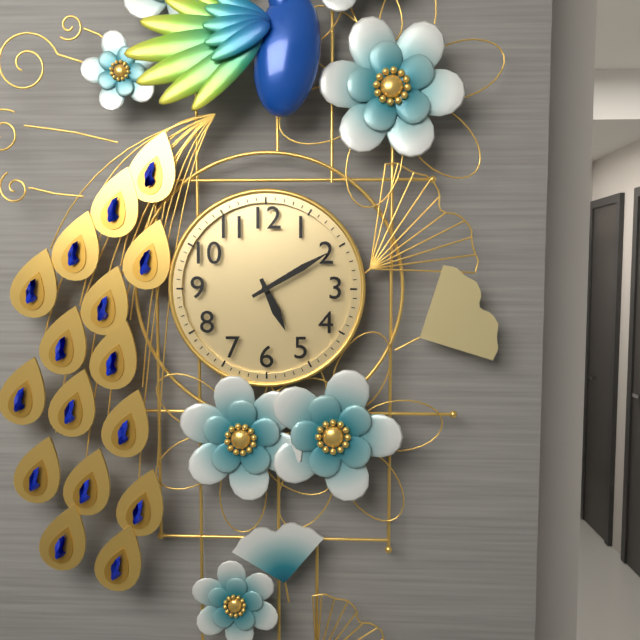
**5:10**
